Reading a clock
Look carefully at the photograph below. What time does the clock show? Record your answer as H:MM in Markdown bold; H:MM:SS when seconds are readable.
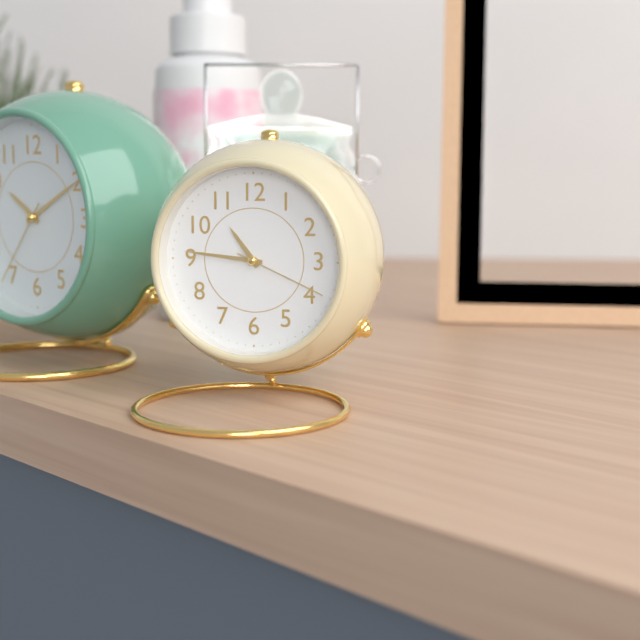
**10:46:19**
